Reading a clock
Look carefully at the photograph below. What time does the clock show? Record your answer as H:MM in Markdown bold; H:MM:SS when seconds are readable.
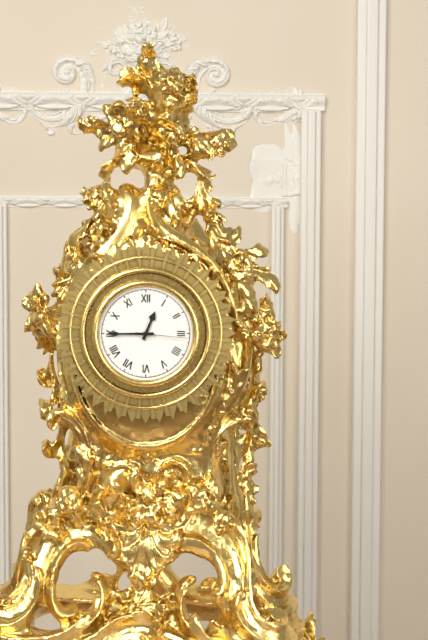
**12:45:16**
